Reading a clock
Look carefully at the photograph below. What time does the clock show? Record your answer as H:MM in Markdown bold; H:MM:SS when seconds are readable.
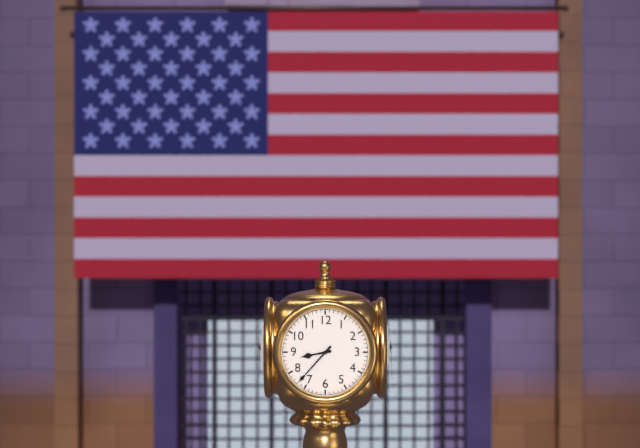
**8:37**
